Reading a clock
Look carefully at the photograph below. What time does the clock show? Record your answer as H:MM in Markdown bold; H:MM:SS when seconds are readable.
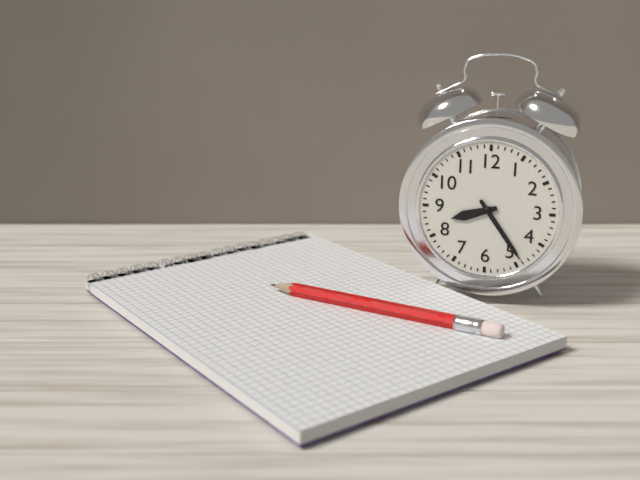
**8:24**
